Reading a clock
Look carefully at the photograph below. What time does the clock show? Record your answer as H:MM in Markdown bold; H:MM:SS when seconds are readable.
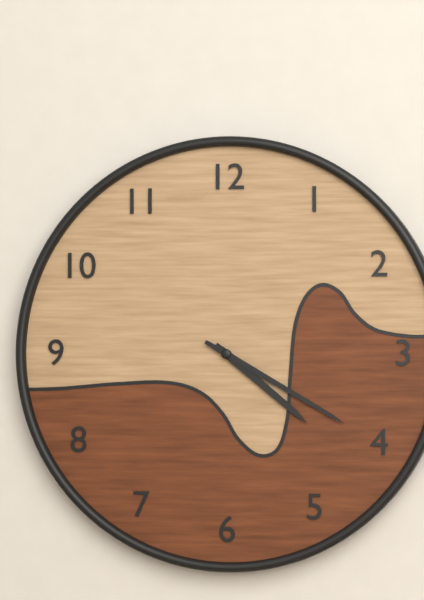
**4:20**
